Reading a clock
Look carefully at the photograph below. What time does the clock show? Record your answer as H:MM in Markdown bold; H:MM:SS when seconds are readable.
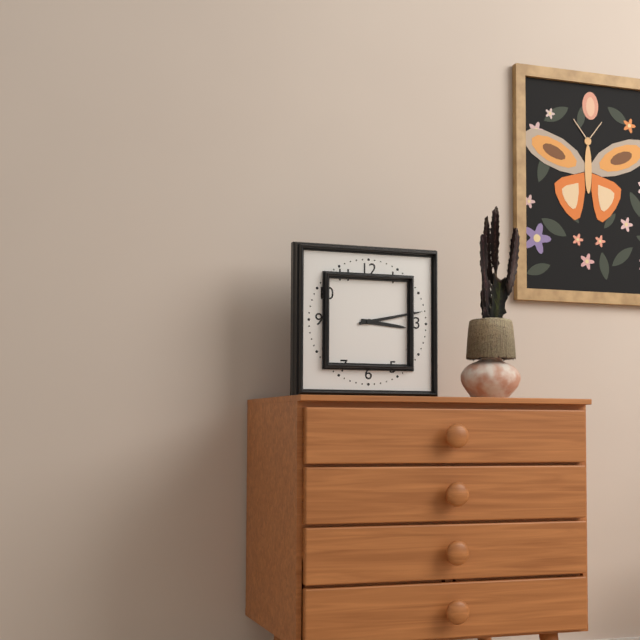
**3:13**
